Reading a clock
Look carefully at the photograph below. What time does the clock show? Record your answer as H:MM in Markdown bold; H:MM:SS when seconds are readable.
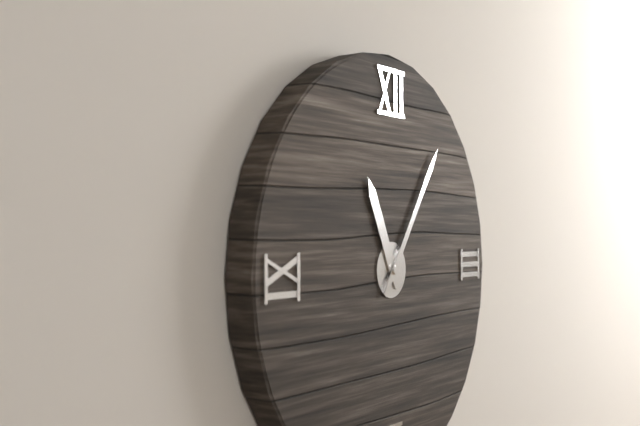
**11:06**
